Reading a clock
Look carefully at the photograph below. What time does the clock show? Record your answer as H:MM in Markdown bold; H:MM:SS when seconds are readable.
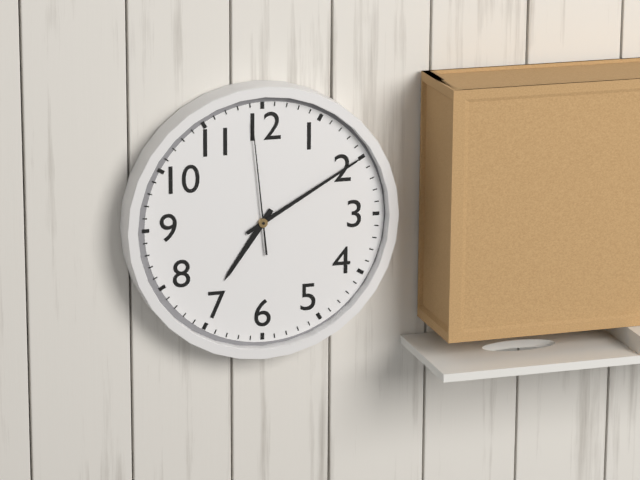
**7:10:59**
